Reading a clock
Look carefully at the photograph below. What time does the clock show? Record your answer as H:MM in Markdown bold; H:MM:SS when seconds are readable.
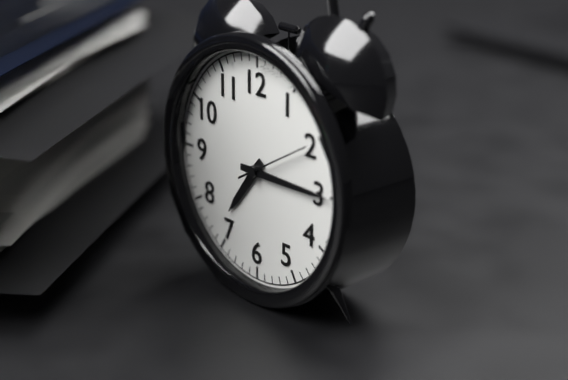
**7:15:10**
